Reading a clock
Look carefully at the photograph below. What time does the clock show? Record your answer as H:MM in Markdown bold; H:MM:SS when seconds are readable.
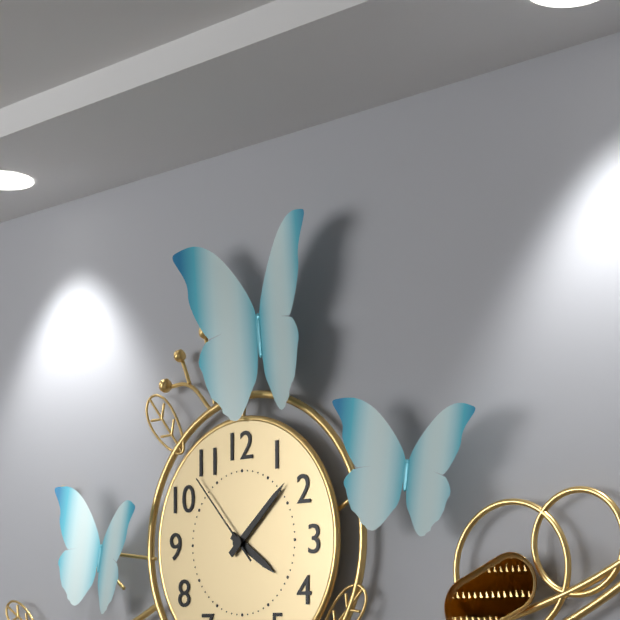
**4:08:53**
